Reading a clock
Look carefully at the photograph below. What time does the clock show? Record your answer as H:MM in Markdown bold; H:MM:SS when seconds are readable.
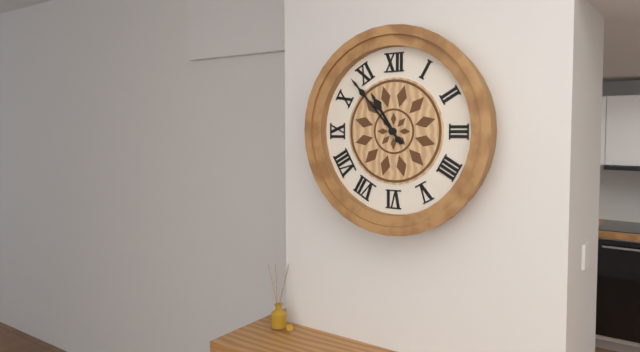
**10:53**
